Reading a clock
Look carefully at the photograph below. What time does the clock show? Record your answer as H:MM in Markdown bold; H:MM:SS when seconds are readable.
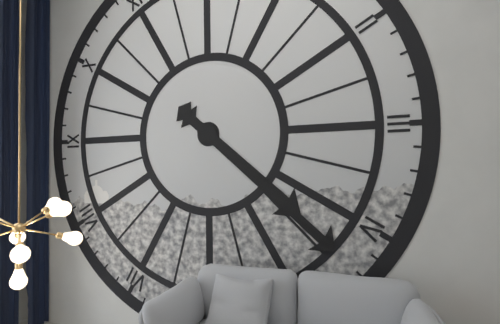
**4:22**
